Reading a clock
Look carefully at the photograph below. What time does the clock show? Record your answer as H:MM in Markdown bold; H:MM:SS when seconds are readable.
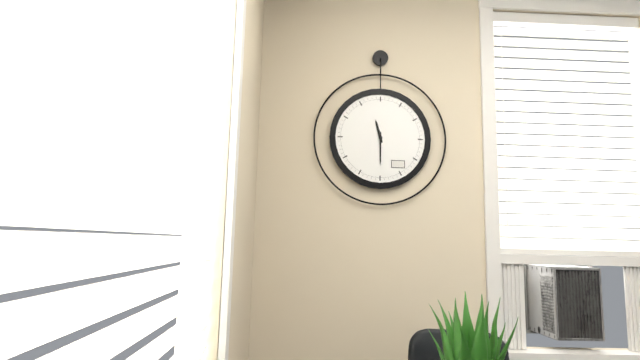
**11:30**
